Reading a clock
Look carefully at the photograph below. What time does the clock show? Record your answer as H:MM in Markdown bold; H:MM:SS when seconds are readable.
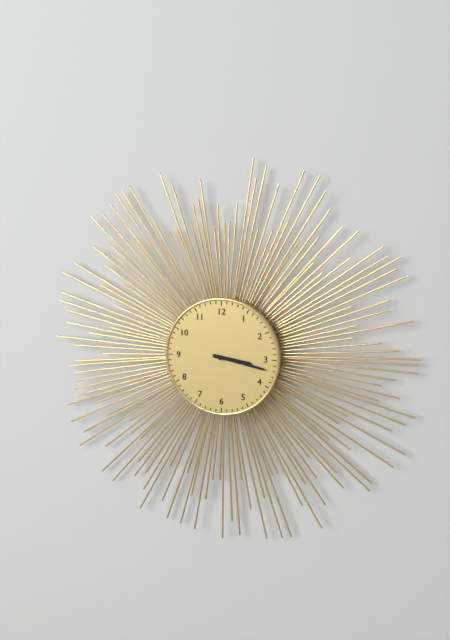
**3:17**
